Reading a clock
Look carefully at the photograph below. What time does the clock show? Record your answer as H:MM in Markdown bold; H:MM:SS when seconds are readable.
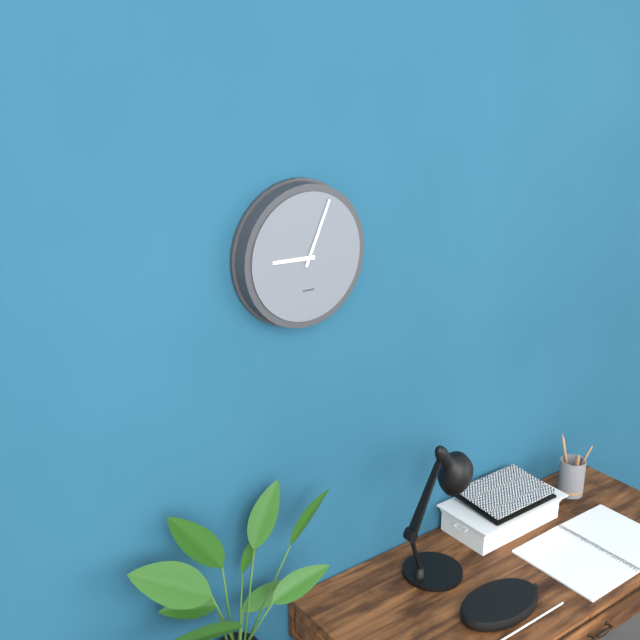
**9:04**
